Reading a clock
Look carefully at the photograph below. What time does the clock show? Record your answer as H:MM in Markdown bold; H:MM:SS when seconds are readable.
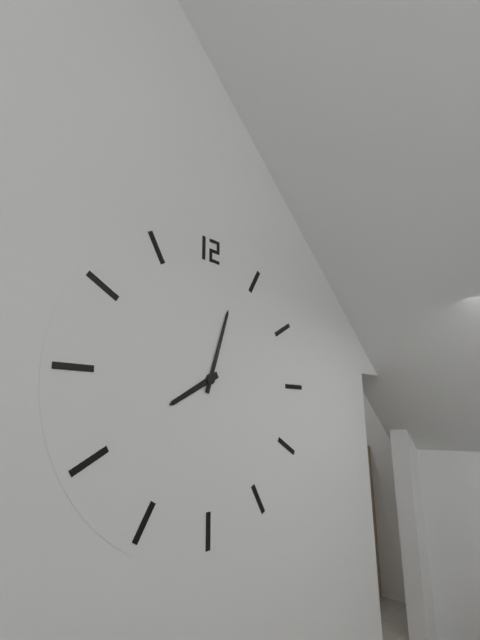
**8:03**
